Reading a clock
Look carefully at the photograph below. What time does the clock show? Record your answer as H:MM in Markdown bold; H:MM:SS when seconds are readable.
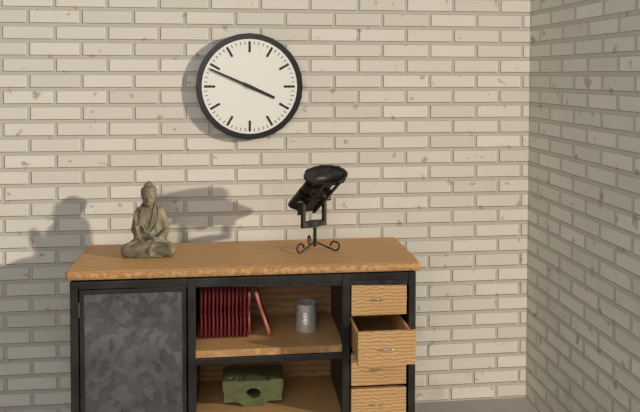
**3:49**
